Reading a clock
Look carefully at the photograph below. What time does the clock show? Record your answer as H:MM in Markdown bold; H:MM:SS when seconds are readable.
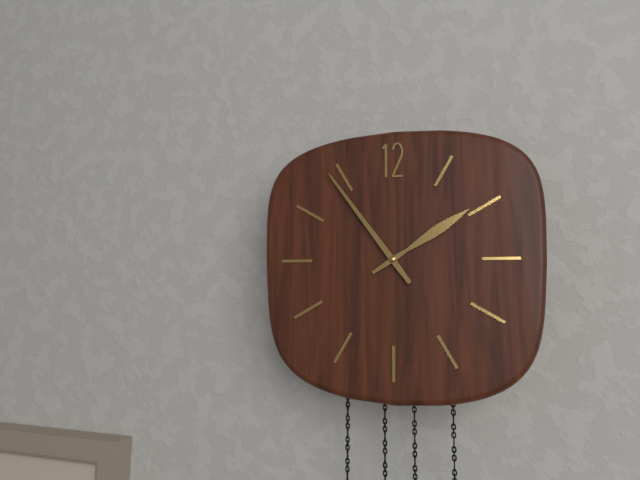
**1:54**
